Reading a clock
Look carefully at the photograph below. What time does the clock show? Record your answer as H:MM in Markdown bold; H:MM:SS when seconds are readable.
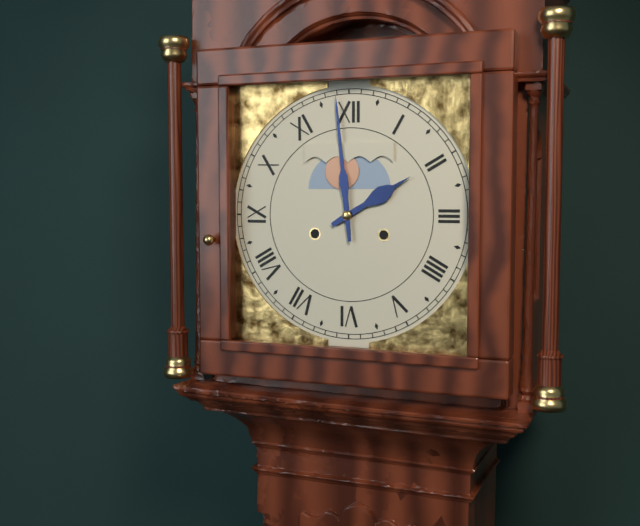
**1:59**
